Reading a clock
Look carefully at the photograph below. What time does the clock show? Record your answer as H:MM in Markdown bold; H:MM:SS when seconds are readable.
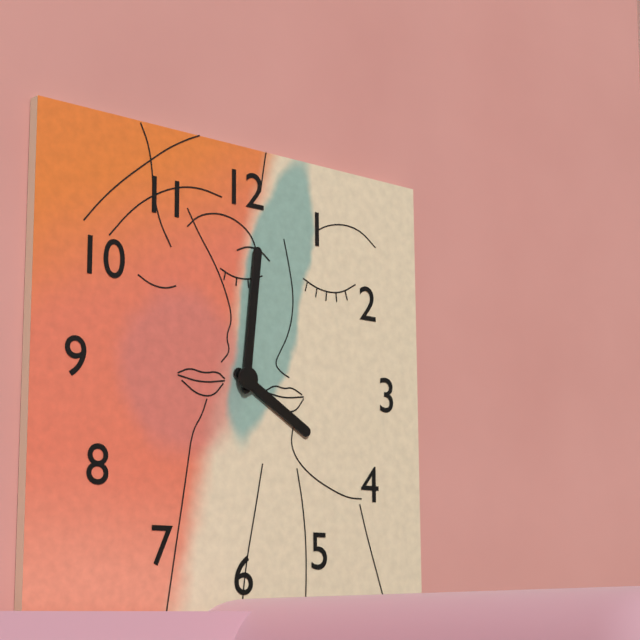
**4:01**
